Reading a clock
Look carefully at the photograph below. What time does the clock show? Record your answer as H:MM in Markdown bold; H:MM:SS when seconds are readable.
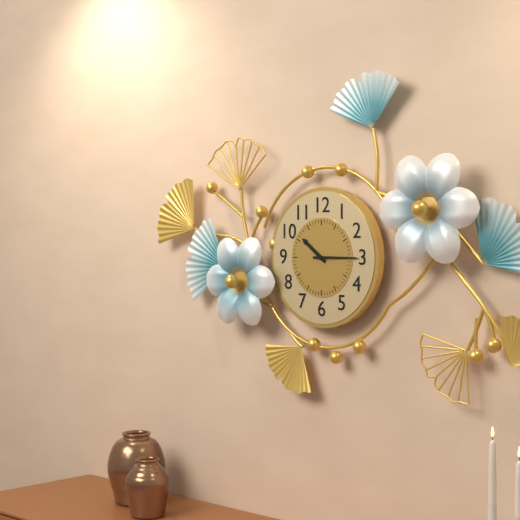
**10:15**
